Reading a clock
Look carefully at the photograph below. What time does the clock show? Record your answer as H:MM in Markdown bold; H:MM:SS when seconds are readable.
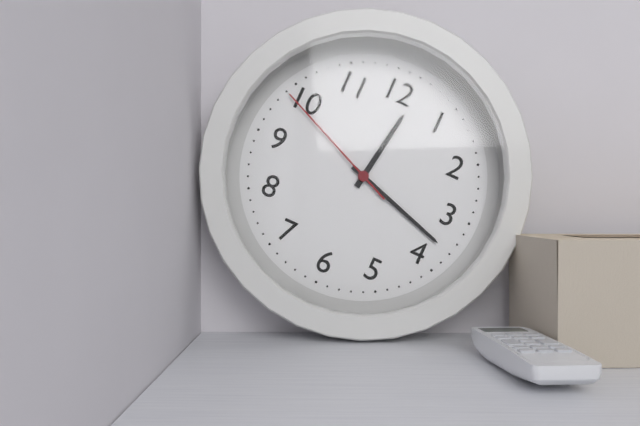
**12:18:49**
